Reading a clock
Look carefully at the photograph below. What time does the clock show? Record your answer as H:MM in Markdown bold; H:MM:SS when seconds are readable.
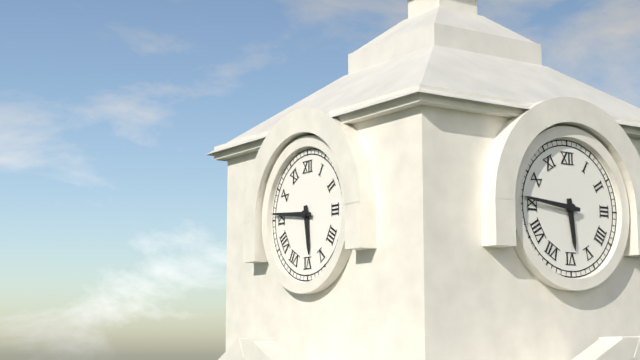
**5:46**
